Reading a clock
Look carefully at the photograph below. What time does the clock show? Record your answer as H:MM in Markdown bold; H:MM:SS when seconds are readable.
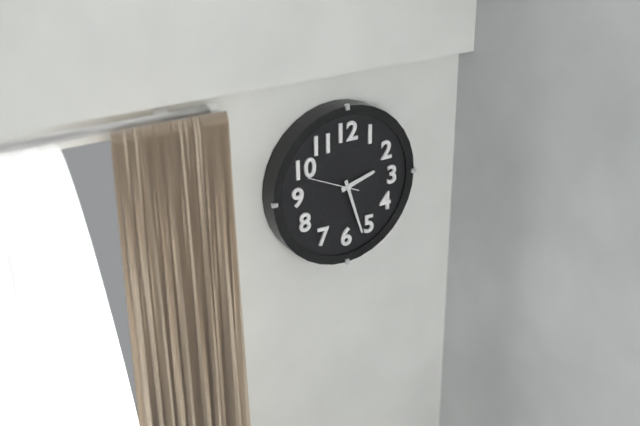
**2:27**
